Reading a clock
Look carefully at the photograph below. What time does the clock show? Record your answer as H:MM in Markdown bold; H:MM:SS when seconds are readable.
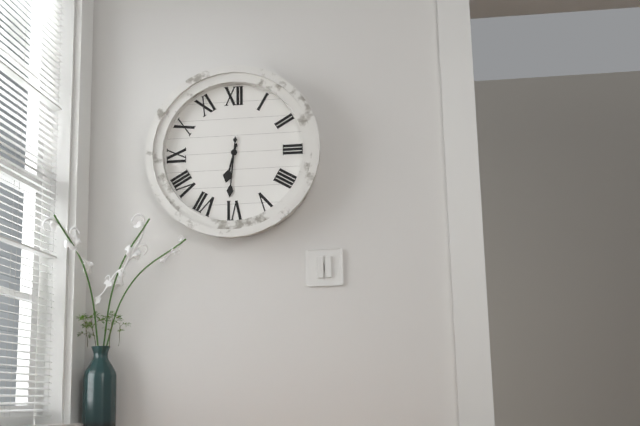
**6:31**
